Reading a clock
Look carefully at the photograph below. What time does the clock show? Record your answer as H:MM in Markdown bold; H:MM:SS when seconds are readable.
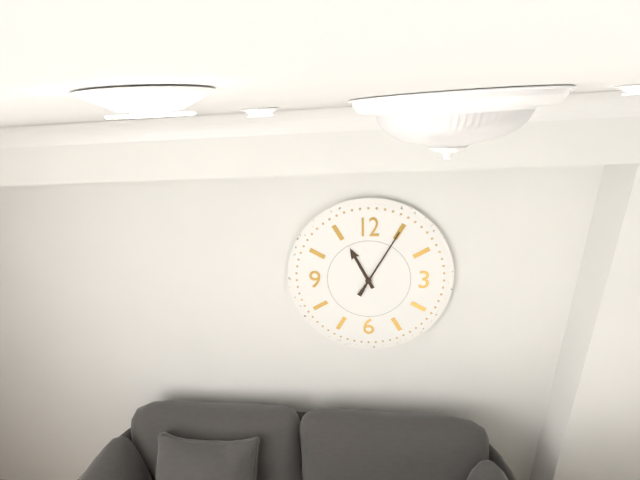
**11:05**
